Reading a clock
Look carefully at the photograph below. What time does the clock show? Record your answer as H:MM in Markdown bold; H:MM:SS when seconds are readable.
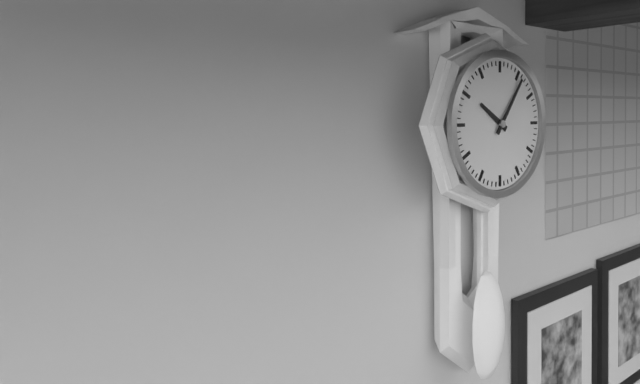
**10:06**
